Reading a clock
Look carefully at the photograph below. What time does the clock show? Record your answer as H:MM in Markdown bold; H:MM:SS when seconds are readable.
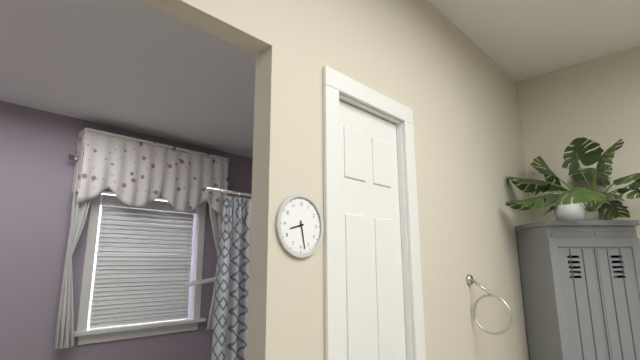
**8:28**
